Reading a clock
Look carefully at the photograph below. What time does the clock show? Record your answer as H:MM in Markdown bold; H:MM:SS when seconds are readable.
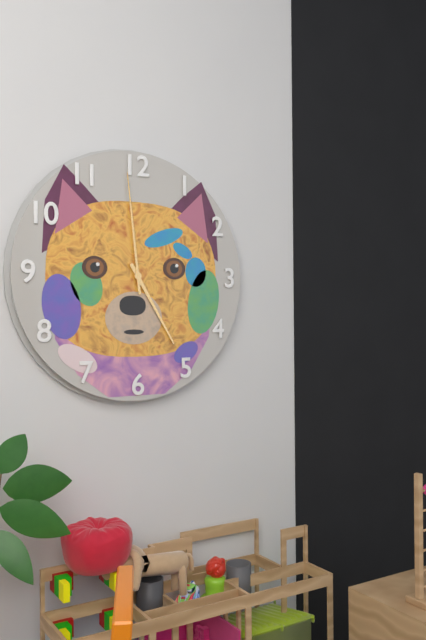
**4:59**
